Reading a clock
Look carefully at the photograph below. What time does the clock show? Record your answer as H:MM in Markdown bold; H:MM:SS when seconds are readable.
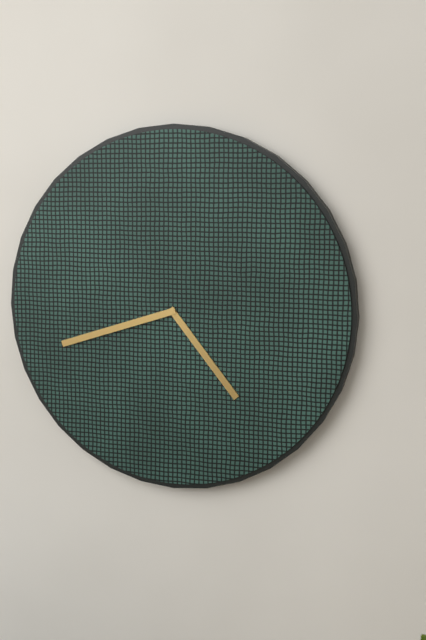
**4:42**
